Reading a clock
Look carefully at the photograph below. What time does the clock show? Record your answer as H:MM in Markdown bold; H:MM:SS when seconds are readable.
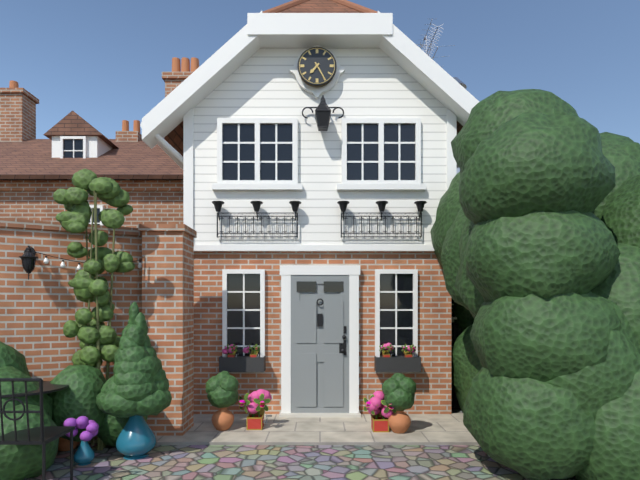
**7:25**
